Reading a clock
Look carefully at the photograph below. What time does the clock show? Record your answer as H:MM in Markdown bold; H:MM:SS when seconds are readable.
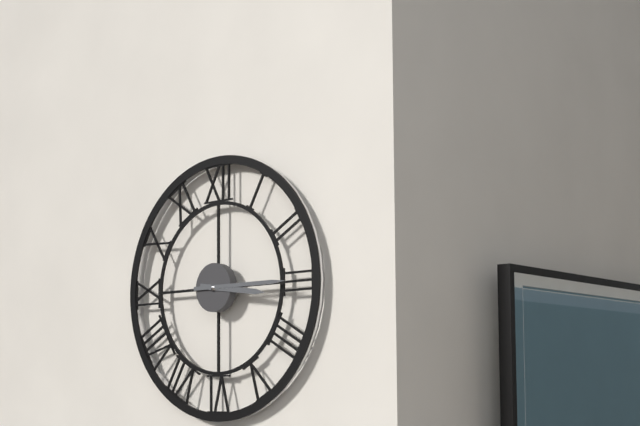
**3:15**
